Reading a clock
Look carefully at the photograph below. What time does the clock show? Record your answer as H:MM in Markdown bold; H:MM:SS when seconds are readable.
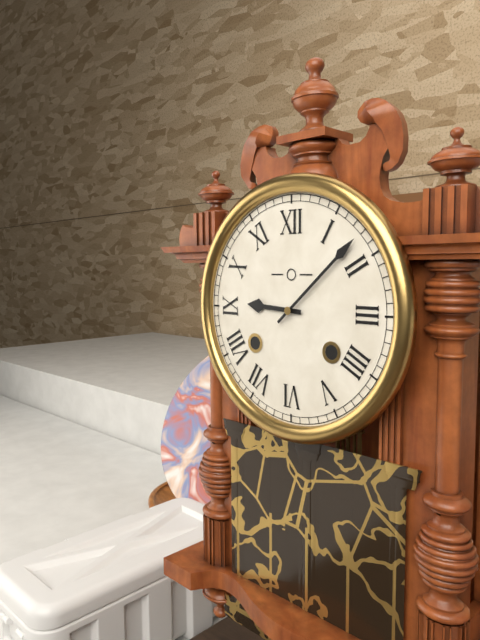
**9:08**
